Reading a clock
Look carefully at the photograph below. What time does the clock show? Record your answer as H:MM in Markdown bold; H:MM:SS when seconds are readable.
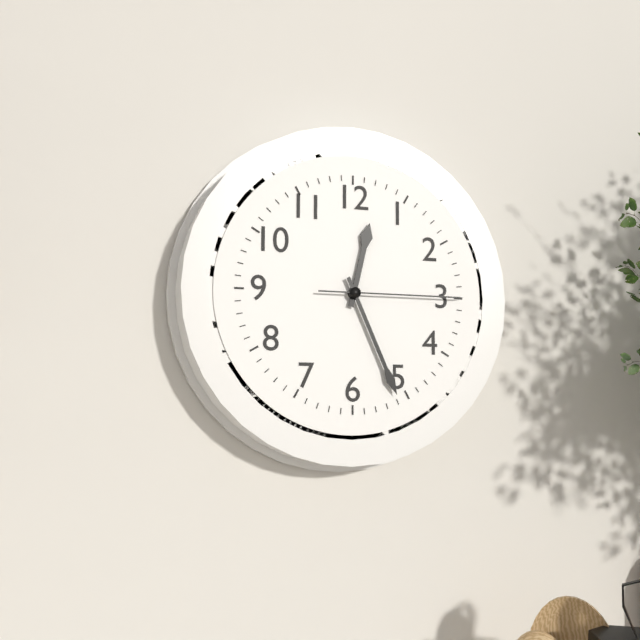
**12:26:15**
